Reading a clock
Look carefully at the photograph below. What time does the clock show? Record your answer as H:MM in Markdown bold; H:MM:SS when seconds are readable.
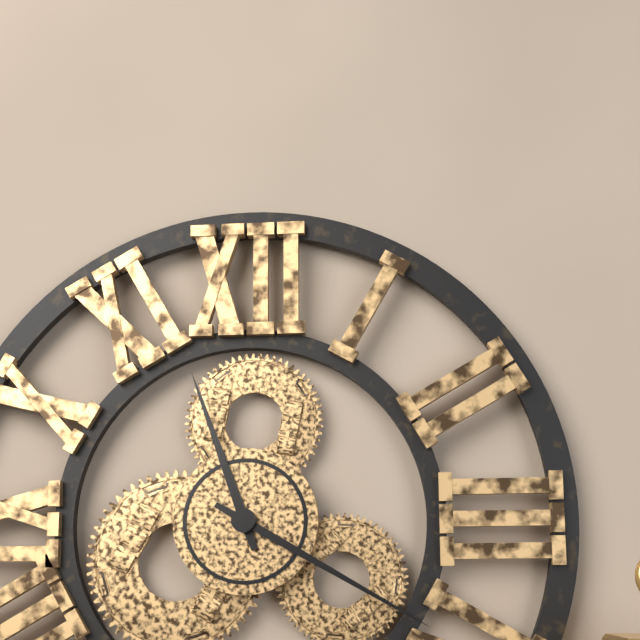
**11:20**
